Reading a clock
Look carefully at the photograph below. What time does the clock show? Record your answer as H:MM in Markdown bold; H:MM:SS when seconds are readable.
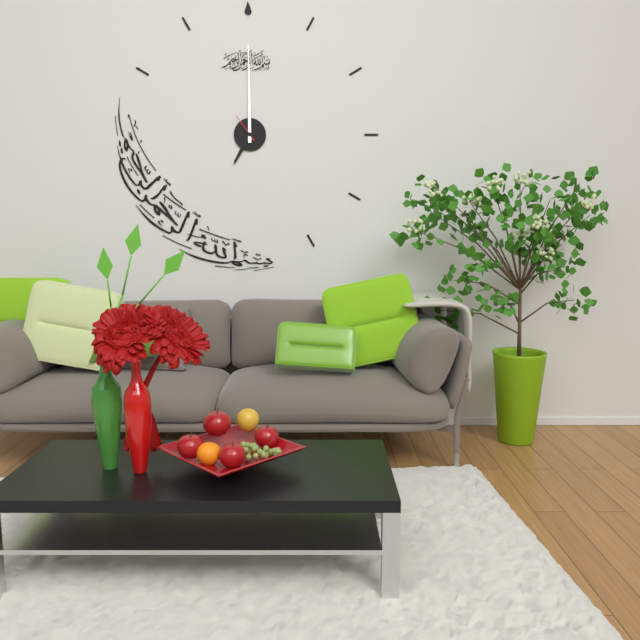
**7:00**
